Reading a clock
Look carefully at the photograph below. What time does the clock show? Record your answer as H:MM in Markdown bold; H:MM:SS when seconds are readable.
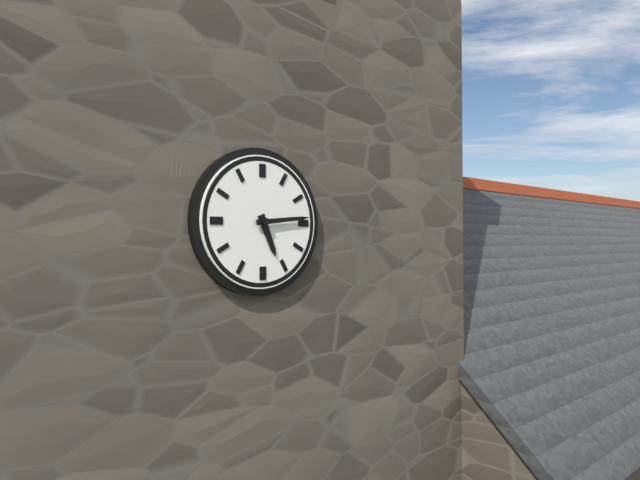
**5:14**
